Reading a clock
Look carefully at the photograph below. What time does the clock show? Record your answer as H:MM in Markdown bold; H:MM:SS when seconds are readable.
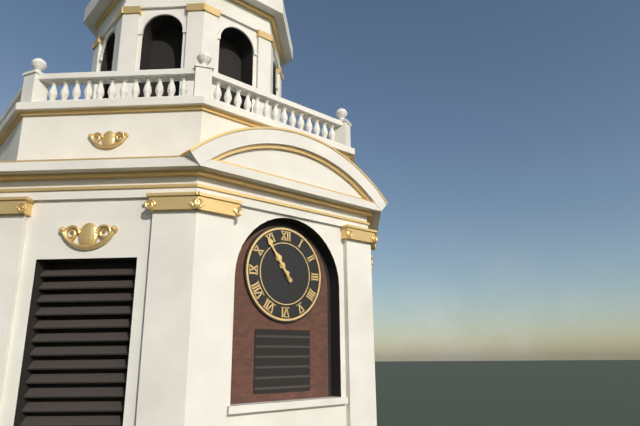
**10:54**
